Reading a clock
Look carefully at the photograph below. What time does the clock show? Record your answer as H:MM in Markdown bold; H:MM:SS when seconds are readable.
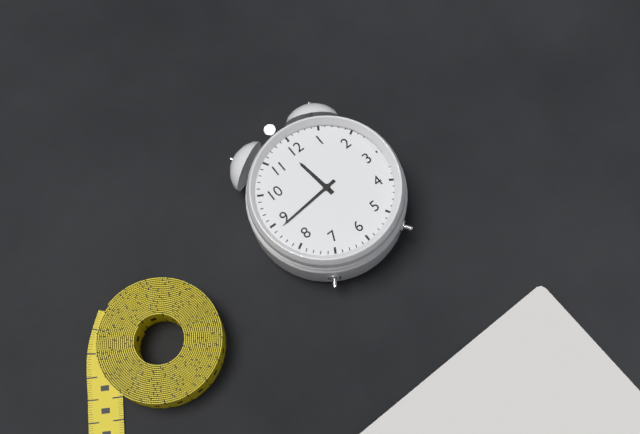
**11:44**
